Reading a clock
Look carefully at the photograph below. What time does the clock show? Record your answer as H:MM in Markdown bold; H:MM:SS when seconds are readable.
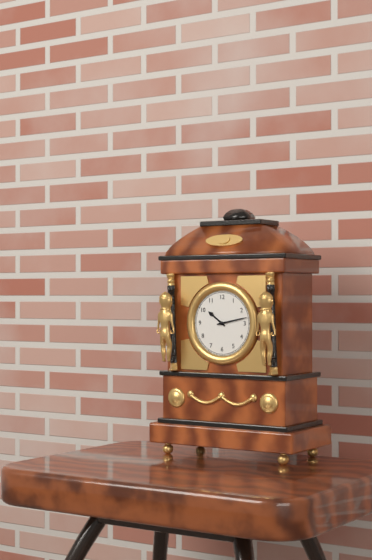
**10:13**
